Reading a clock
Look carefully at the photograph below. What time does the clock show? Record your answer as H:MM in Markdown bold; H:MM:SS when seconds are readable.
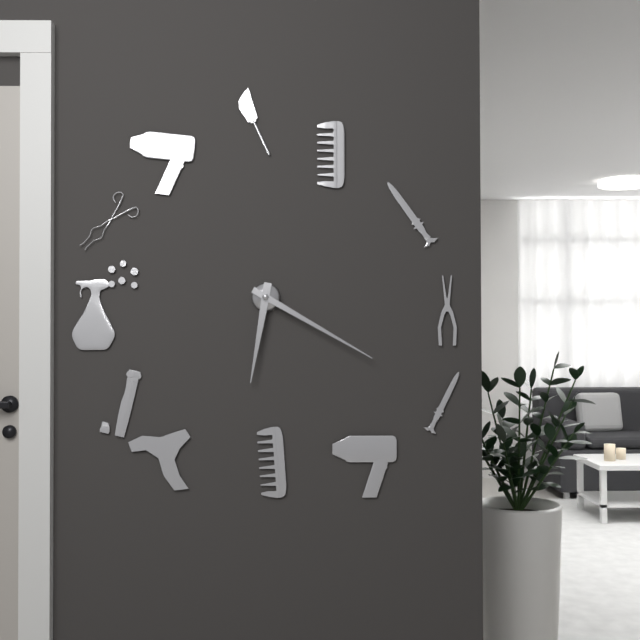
**6:20**
